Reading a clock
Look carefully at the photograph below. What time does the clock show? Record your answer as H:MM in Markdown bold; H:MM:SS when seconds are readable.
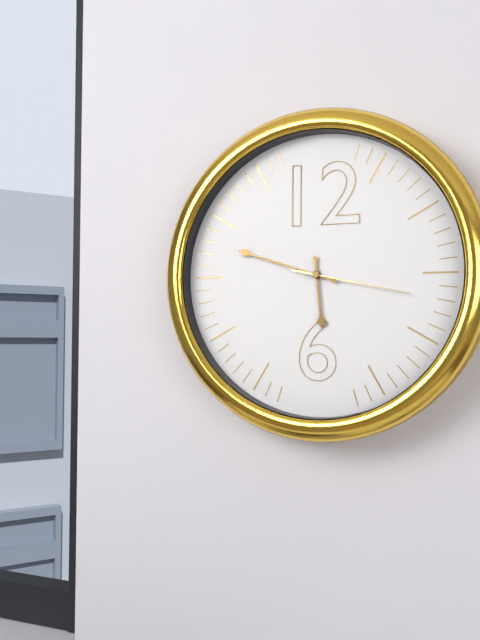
**5:48:17**
